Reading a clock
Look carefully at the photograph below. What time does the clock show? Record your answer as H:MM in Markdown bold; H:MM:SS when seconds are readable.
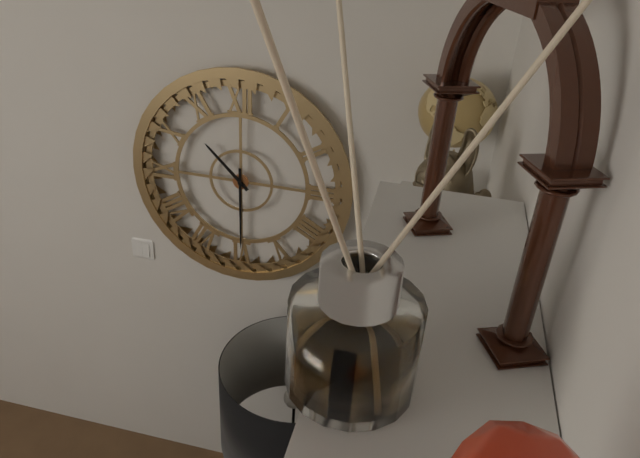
**10:30**
